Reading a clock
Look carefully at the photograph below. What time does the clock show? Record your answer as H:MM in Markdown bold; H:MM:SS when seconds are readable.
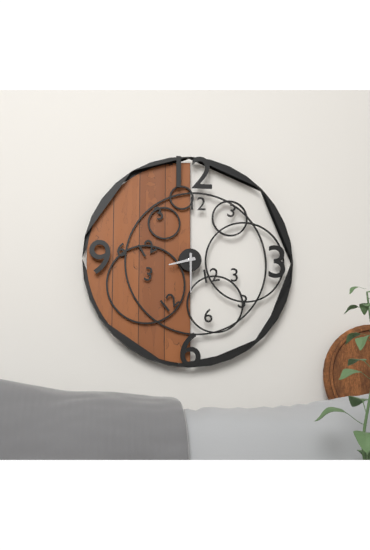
**8:30**
